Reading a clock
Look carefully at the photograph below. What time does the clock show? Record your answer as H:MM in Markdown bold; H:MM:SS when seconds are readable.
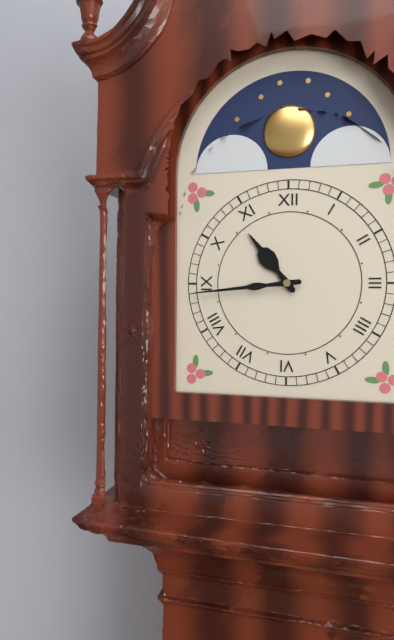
**10:44**
